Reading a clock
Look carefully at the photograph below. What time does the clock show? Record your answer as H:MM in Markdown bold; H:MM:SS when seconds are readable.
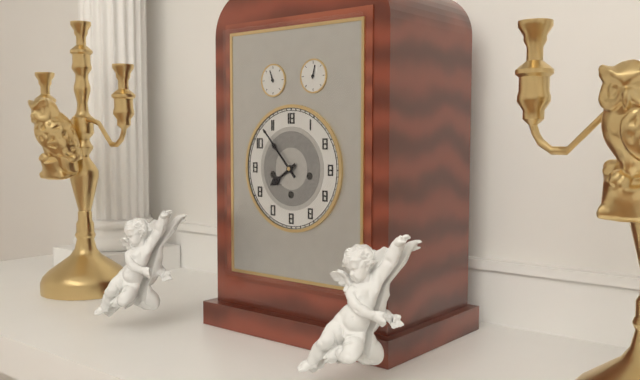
**7:53**
